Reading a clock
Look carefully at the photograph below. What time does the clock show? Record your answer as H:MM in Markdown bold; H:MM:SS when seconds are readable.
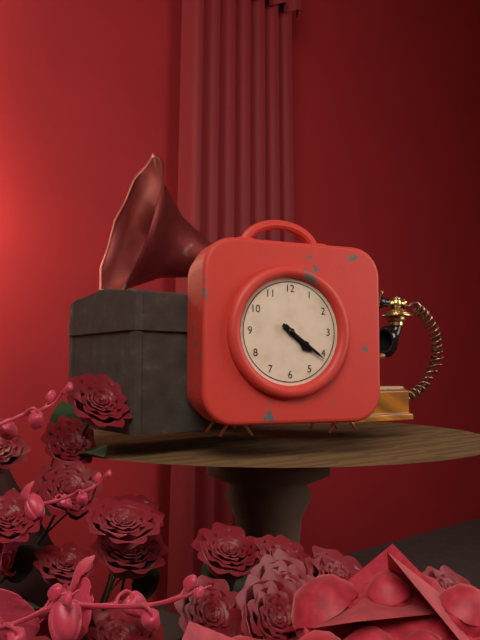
**4:21**
